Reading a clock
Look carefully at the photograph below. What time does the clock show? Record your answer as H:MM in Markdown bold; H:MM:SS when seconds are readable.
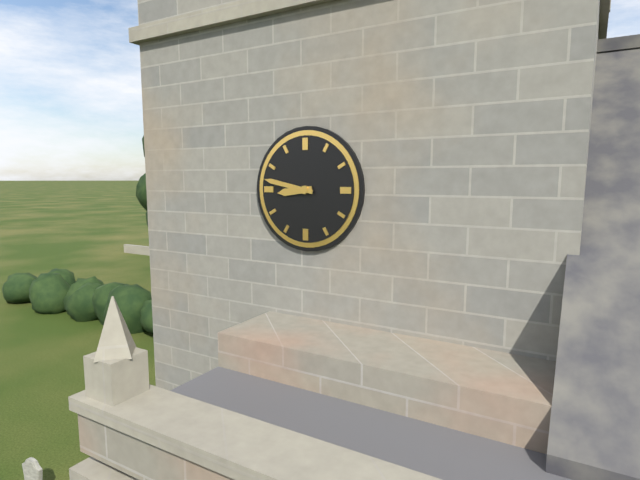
**8:47**
